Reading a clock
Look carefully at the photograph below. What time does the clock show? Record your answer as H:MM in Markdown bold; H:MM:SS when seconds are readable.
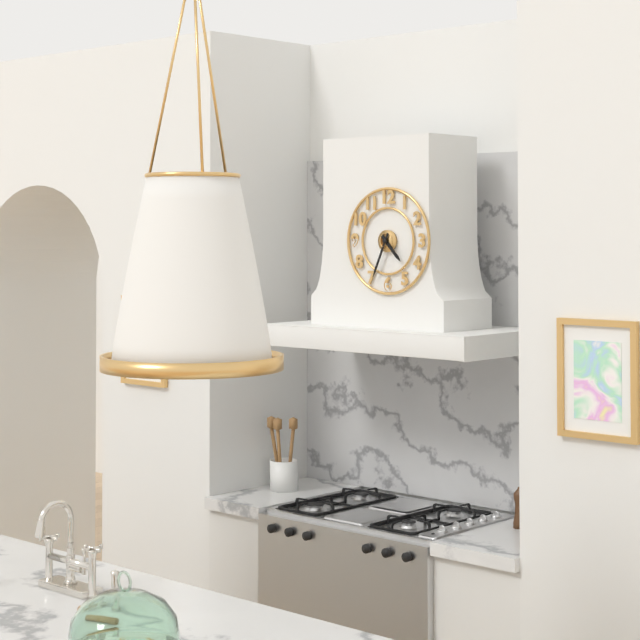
**4:34**
